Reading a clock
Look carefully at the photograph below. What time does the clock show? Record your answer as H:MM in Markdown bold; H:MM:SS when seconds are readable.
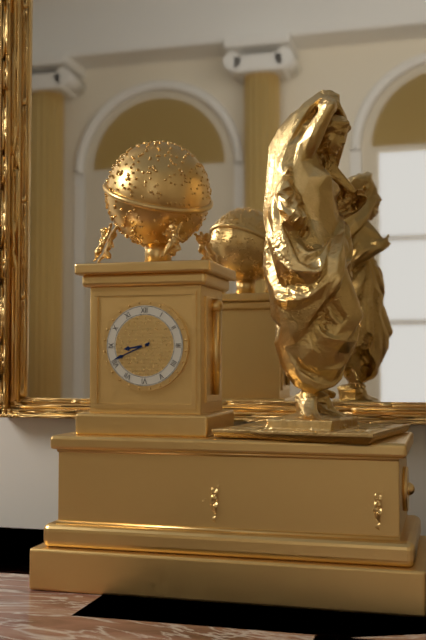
**8:41**
